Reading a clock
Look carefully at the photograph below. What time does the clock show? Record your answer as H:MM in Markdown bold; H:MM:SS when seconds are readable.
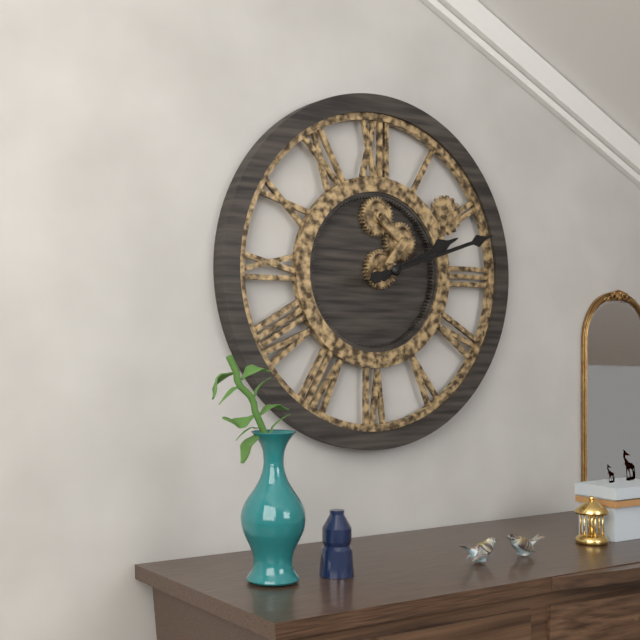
**2:12**
